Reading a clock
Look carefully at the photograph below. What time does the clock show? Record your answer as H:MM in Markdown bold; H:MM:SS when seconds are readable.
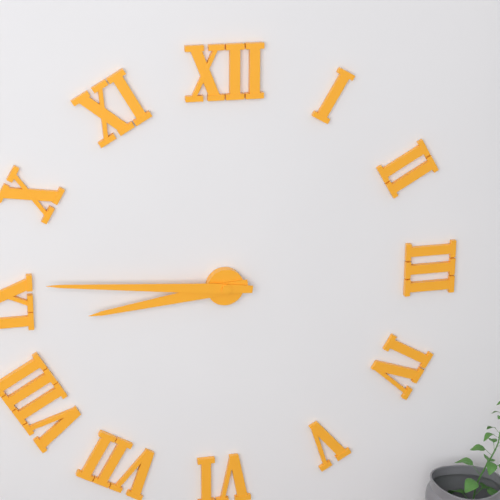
**8:46**
